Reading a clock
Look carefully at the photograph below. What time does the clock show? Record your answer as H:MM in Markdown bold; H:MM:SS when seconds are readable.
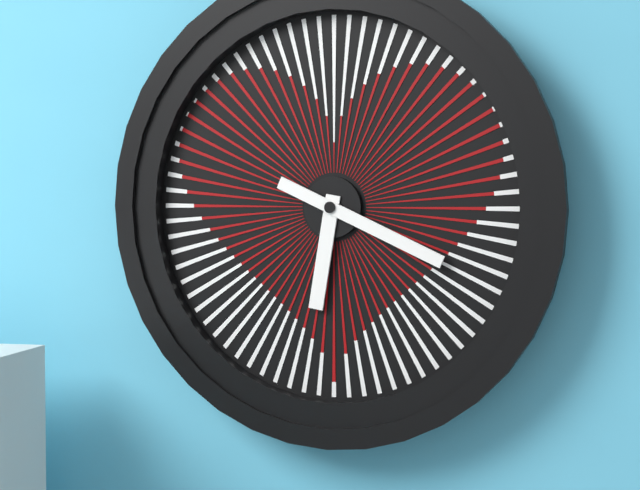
**6:19**
